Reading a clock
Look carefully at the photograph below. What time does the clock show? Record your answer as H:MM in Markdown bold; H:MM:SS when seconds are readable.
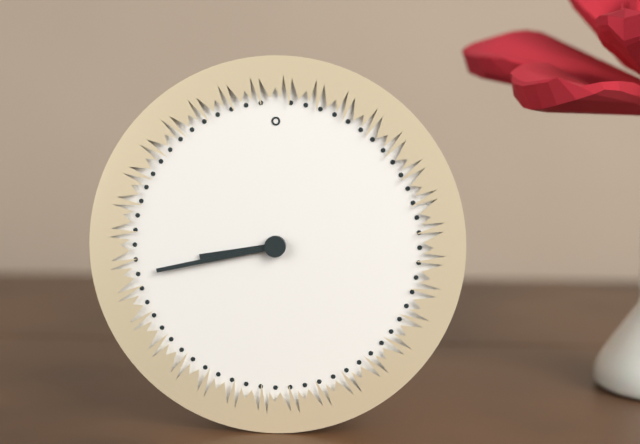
**8:43**
